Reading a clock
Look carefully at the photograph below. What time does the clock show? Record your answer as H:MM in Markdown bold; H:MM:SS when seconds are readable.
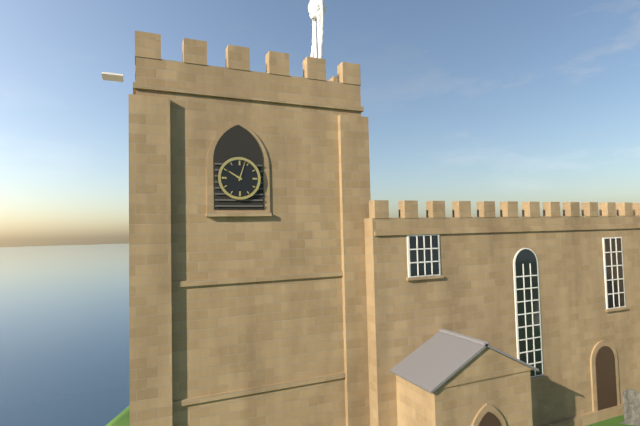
**10:03**
